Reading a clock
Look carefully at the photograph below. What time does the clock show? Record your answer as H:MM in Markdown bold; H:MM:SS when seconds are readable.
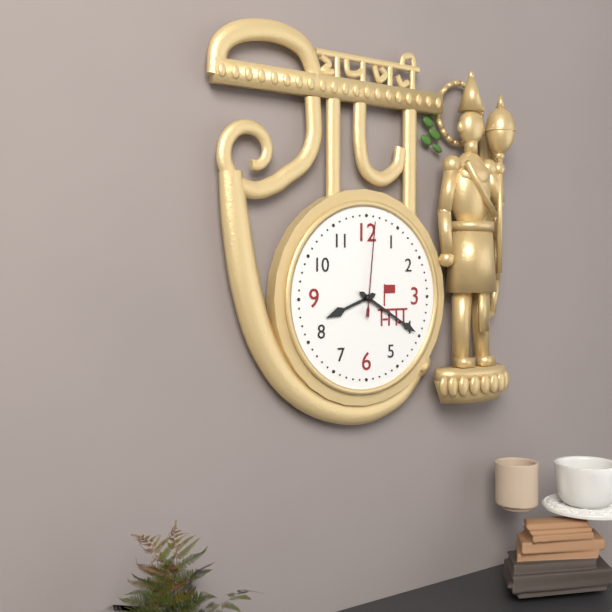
**8:20:01**
